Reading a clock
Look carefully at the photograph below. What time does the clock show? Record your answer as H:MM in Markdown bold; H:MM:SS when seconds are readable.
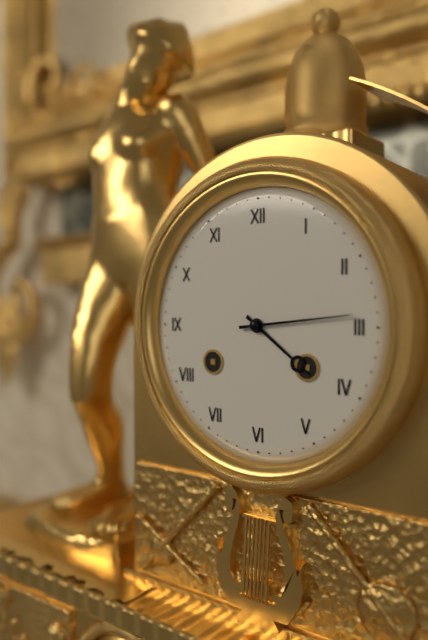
**4:14**
